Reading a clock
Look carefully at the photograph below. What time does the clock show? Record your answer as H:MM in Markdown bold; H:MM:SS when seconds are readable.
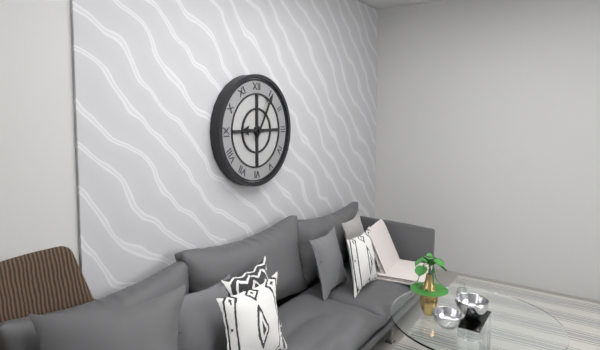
**9:05**
